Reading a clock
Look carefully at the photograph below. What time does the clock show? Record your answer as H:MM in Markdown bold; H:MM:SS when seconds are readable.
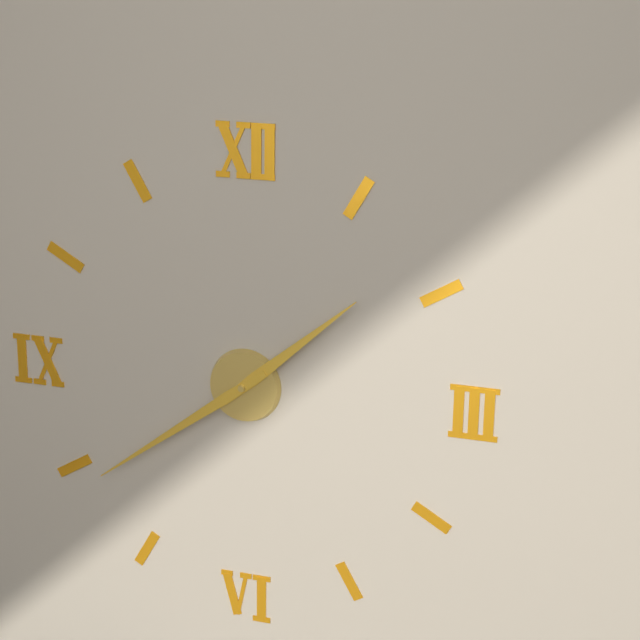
**1:39**
